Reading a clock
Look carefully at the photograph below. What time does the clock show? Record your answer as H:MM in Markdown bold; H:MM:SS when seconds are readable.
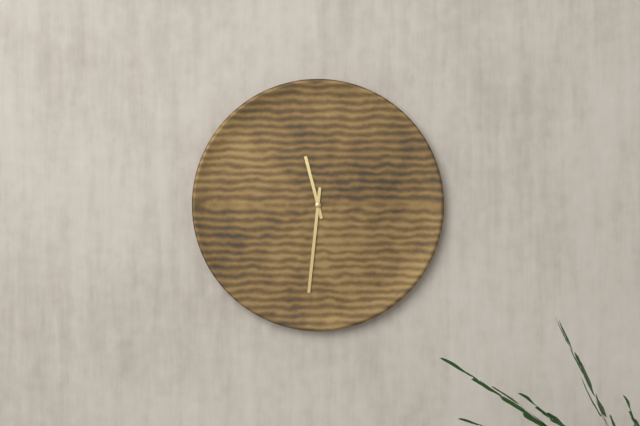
**11:31**
